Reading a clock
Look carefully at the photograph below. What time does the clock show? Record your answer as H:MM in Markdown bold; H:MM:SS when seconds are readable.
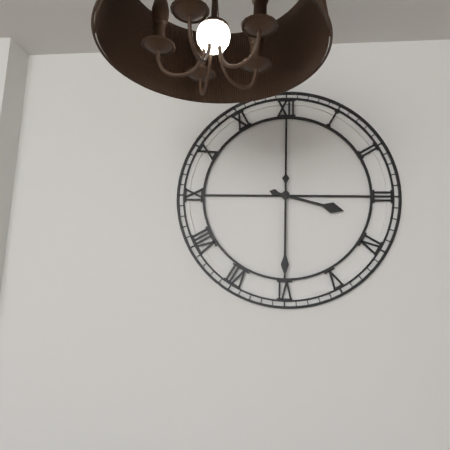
**3:30**
